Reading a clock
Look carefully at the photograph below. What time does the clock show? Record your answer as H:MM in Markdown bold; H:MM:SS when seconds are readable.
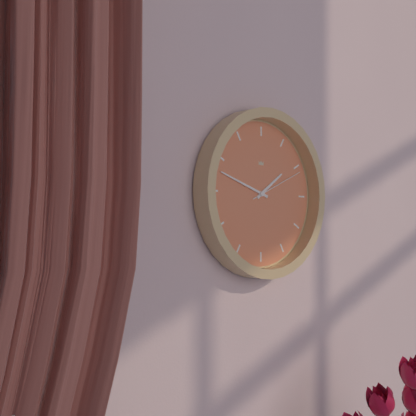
**1:48:11**
